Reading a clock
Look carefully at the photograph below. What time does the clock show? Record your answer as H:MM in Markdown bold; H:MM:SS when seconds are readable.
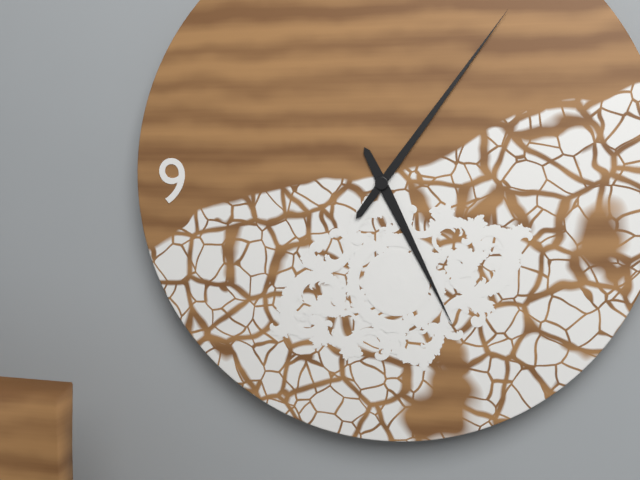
**5:06**
